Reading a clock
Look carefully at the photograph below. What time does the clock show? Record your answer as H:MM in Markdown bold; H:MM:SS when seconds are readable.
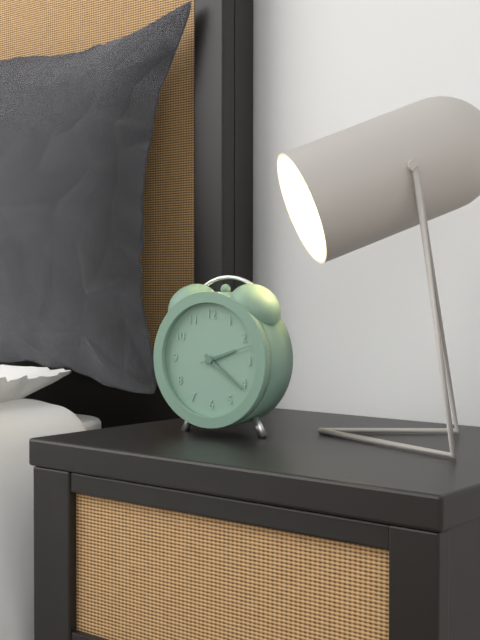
**2:21:12**
